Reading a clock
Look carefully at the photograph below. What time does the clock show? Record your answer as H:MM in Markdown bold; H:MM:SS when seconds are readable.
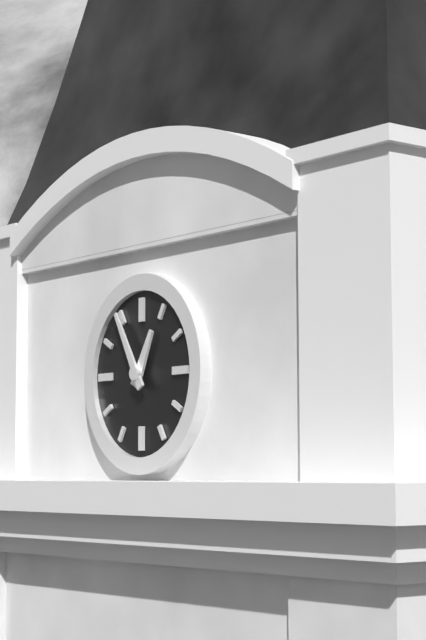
**12:55**
